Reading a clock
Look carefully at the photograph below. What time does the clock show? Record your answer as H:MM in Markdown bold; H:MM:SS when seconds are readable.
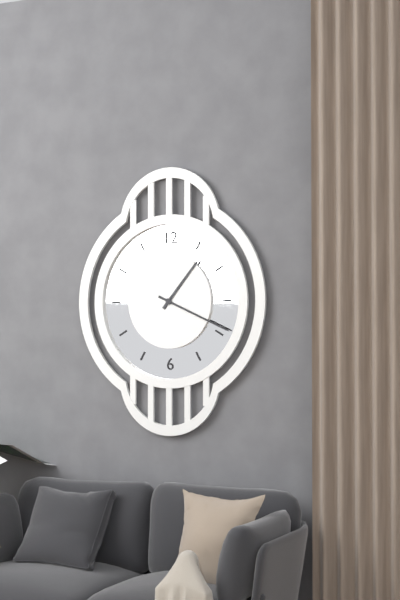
**1:19**
